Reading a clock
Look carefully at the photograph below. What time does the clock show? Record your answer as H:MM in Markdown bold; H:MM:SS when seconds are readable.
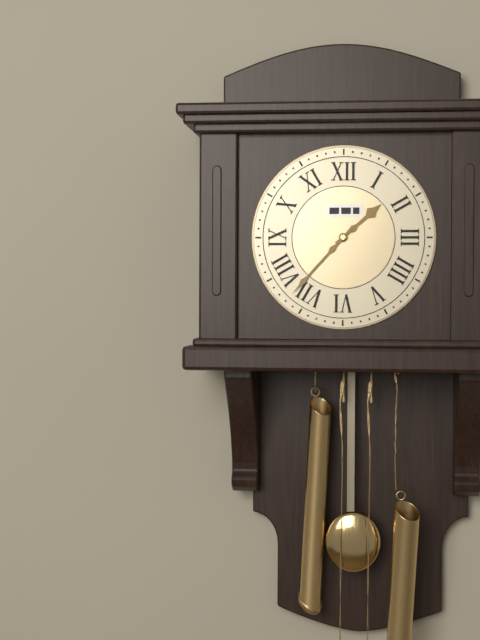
**1:37**
